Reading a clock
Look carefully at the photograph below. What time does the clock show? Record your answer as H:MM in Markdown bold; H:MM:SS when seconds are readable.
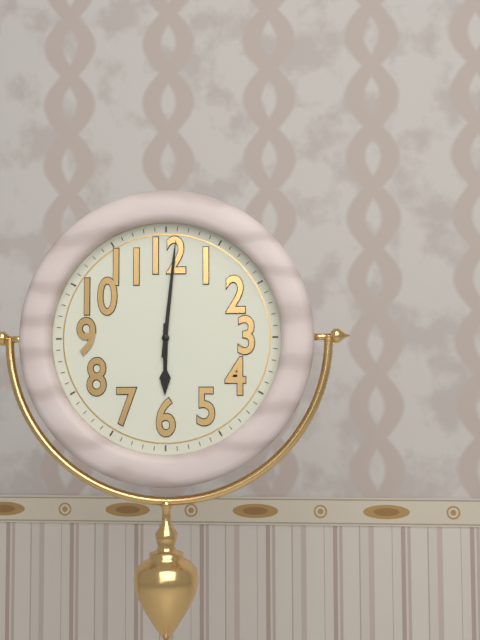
**6:01**
